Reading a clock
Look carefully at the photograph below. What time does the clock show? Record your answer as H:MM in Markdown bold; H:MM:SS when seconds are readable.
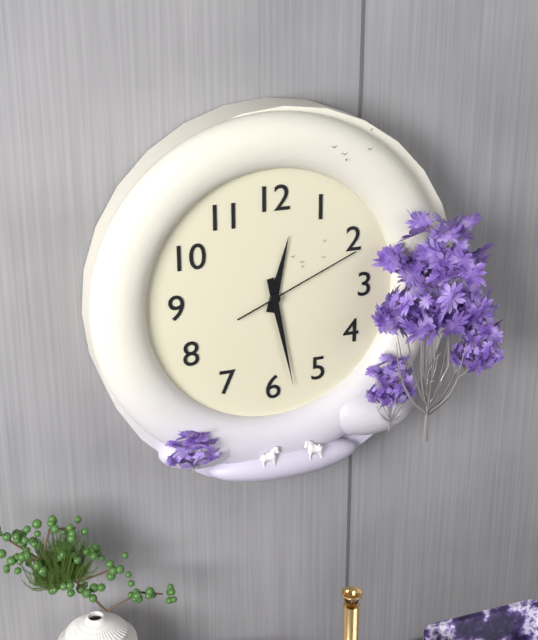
**12:28:11**
